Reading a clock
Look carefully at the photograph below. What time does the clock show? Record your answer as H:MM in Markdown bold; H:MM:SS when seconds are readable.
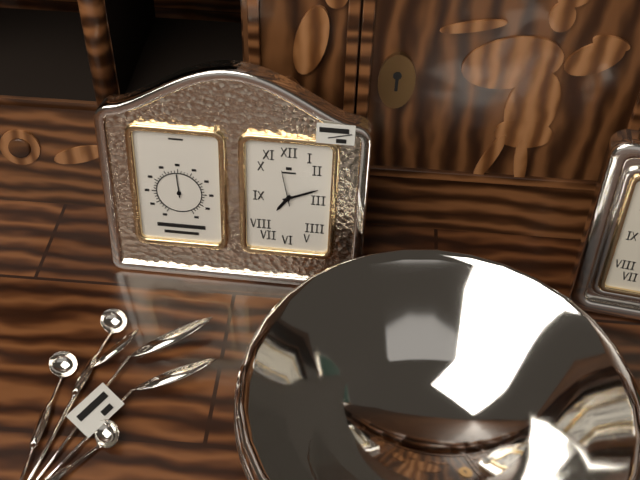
**7:11**
